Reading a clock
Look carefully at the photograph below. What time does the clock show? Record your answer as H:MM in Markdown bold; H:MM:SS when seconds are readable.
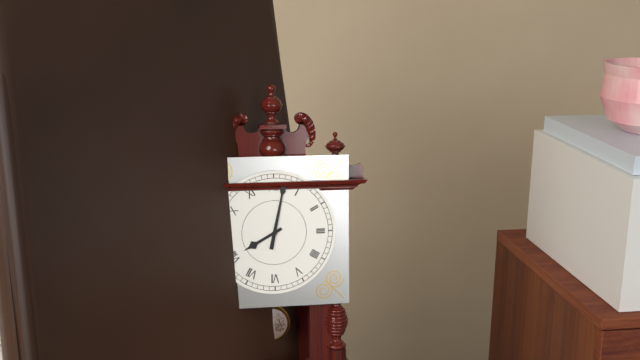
**8:02**
